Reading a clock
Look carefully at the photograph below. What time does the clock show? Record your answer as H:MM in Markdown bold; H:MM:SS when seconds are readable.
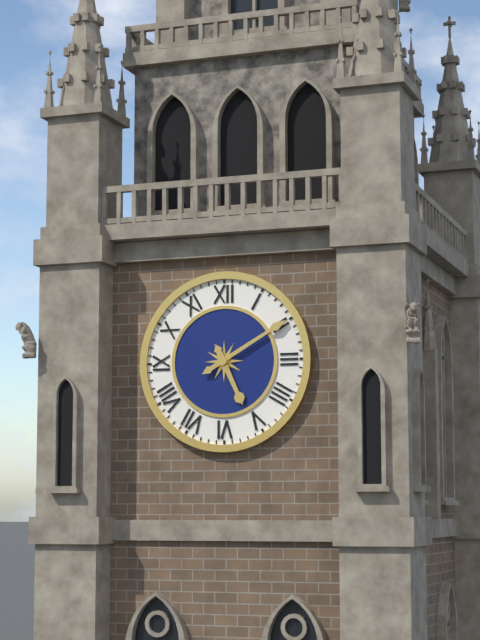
**5:10**
